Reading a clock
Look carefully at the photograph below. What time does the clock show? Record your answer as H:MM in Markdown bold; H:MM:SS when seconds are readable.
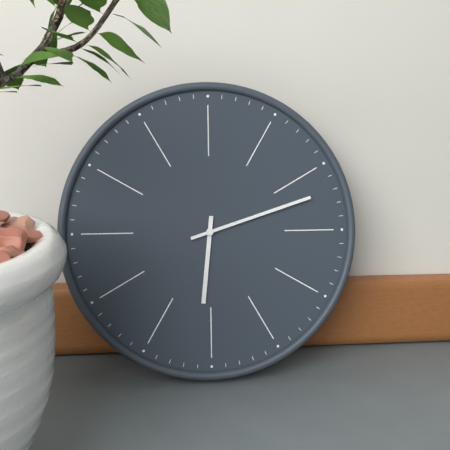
**6:12**
